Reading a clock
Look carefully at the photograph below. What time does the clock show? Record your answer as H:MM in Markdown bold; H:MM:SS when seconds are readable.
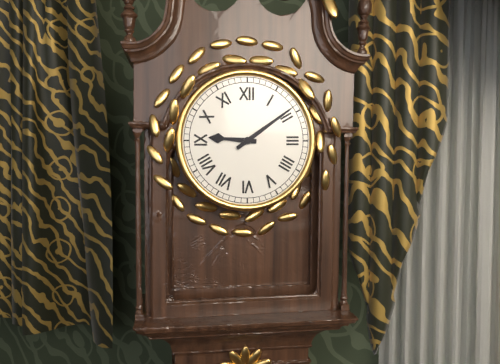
**9:09**
